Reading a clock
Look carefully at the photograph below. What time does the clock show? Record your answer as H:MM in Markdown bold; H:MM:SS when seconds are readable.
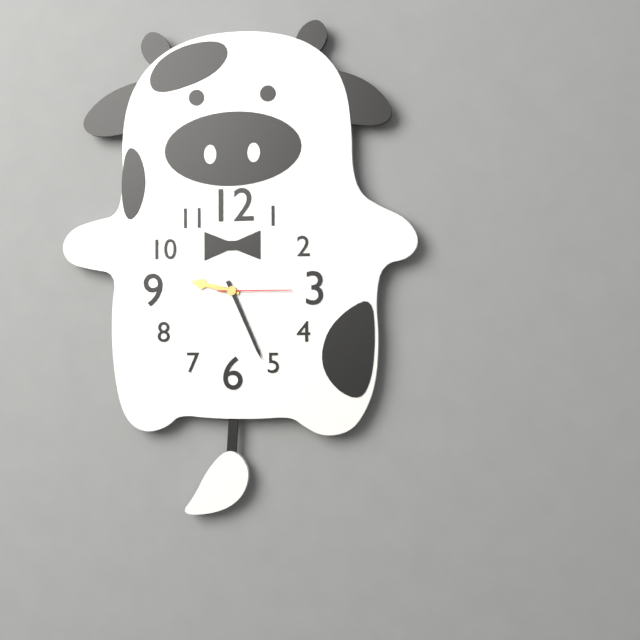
**9:26:15**
